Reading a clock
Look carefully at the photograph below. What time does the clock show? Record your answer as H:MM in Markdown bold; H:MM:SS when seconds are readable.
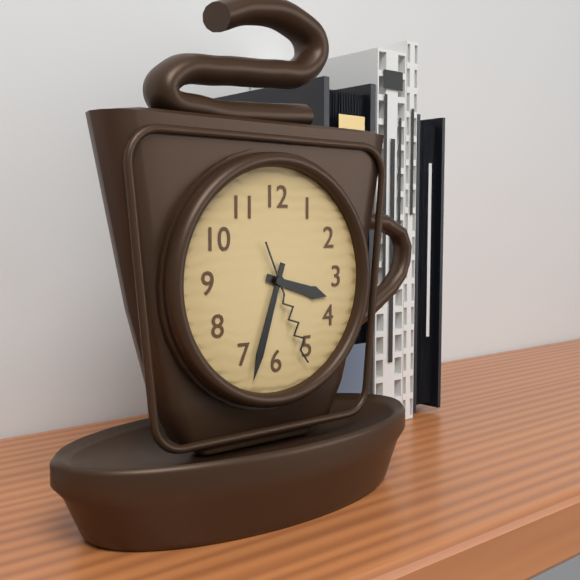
**3:33:26**
